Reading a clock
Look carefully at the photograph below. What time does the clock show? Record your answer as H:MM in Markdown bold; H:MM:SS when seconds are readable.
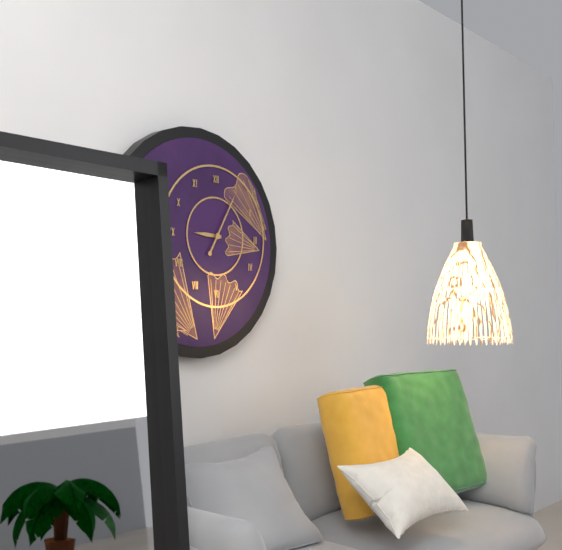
**9:05**
